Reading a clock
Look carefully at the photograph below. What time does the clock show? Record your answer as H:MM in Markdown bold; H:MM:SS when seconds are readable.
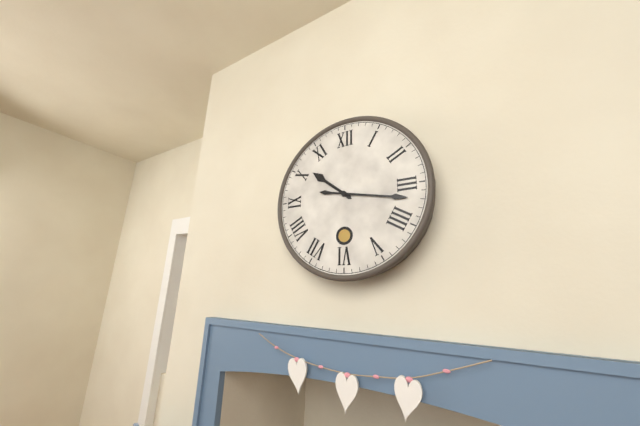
**10:17**
